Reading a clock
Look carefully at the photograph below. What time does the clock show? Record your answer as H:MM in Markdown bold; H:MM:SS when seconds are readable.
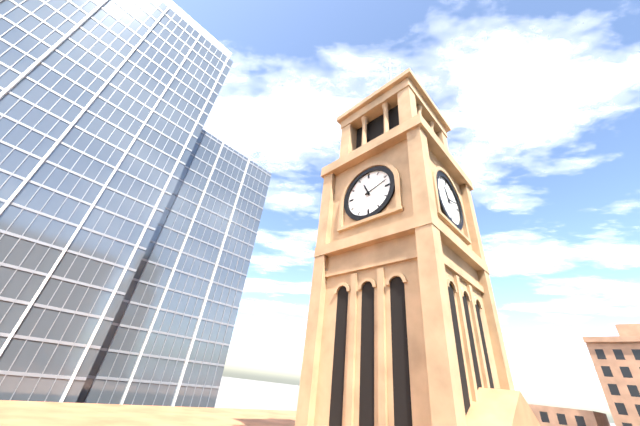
**11:12**
